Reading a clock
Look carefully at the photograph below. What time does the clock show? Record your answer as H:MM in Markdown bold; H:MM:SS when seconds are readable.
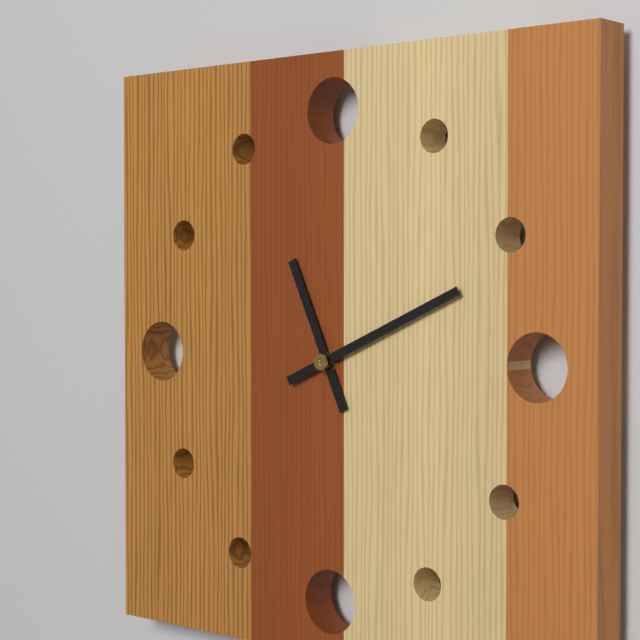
**11:11**
